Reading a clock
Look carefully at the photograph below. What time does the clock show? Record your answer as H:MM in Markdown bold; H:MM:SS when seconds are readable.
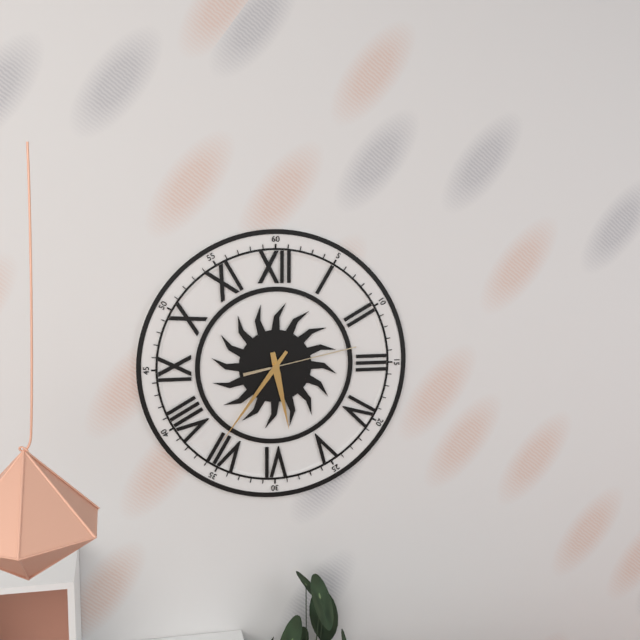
**5:36:13**
